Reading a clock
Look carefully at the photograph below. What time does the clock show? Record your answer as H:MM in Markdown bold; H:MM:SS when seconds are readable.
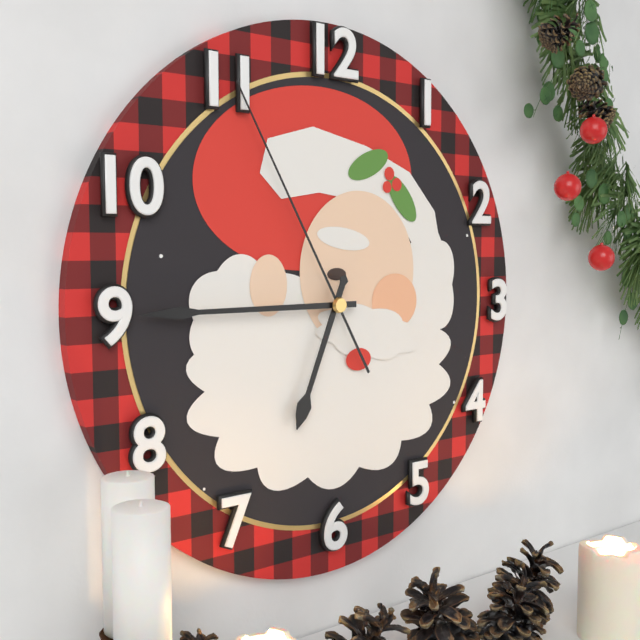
**6:45:55**
